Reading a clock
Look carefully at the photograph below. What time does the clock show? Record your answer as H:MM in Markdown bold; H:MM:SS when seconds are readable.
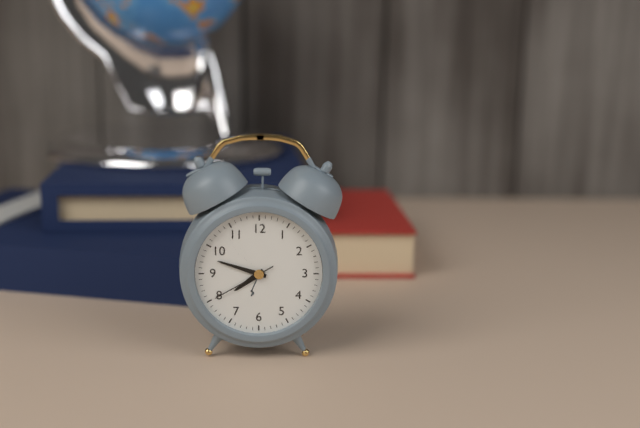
**7:48:40**
